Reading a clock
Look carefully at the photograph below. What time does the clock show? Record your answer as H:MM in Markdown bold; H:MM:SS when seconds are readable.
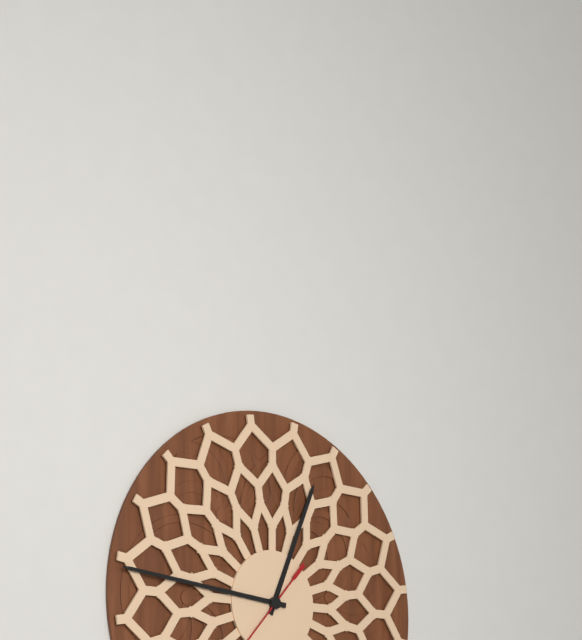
**12:46**
